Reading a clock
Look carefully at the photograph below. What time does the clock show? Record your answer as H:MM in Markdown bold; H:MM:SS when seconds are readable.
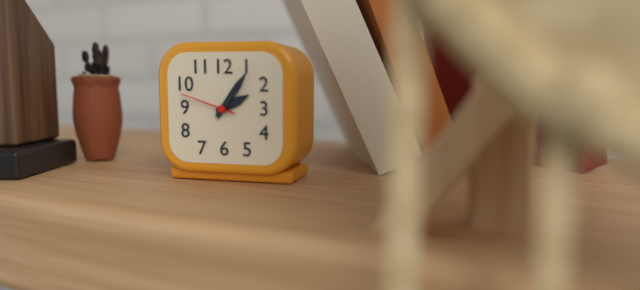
**2:06:48**
